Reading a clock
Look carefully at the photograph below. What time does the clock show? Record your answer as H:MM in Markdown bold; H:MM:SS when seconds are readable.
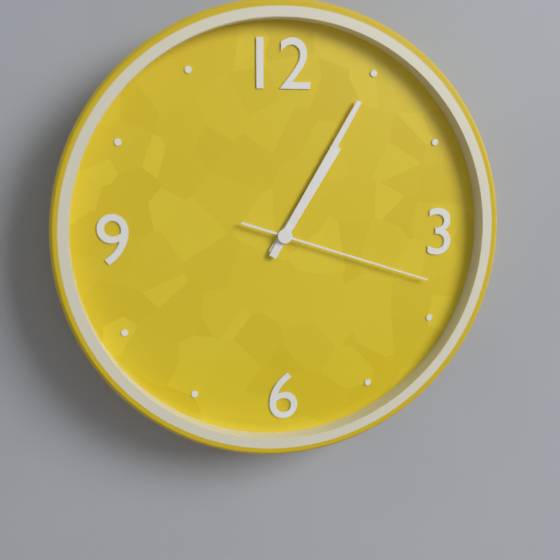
**1:05:18**
